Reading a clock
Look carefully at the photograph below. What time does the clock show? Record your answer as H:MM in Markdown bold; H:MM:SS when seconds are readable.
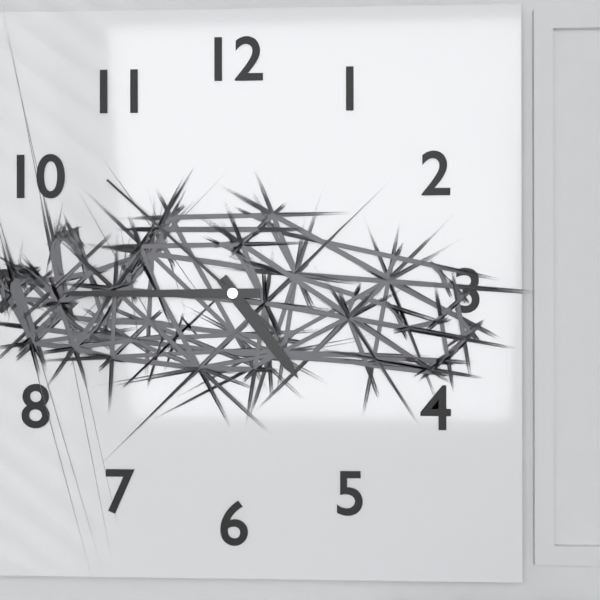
**4:45:52**
